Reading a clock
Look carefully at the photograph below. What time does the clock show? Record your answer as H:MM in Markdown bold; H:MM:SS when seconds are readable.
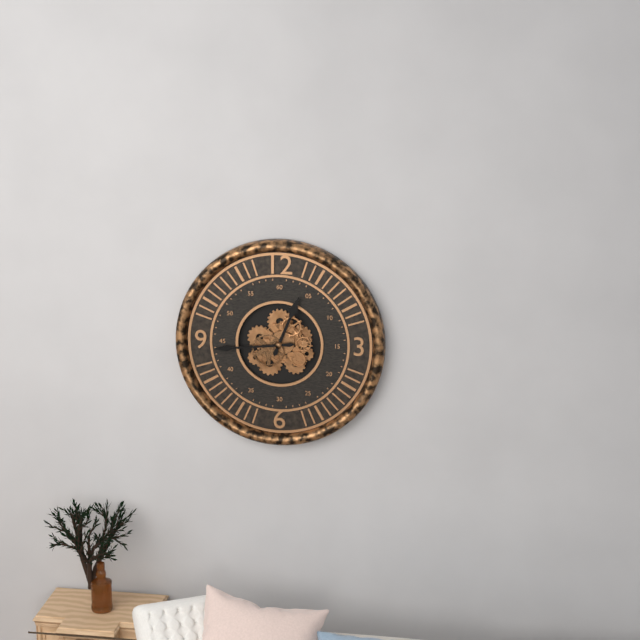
**12:44**
